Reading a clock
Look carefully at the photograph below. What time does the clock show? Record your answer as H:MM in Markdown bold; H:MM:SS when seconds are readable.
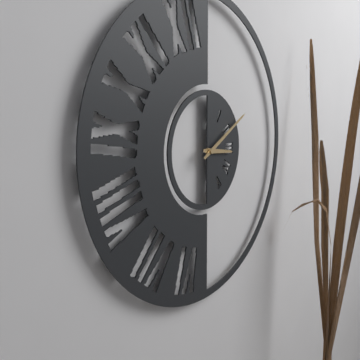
**3:10**
